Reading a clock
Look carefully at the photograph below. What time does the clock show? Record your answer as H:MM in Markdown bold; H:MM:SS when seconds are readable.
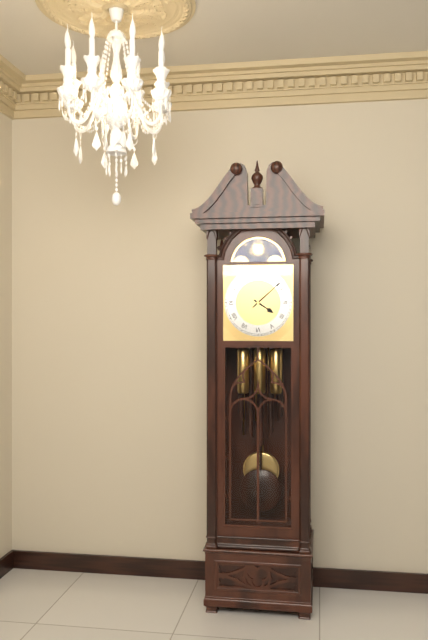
**4:08**
